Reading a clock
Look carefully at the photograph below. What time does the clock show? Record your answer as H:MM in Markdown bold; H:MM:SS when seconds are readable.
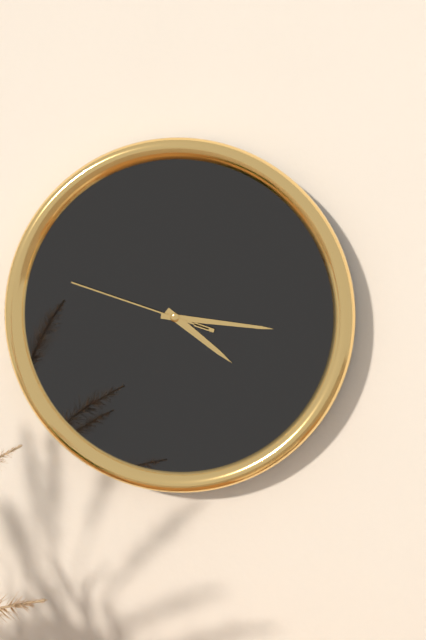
**4:16:48**
